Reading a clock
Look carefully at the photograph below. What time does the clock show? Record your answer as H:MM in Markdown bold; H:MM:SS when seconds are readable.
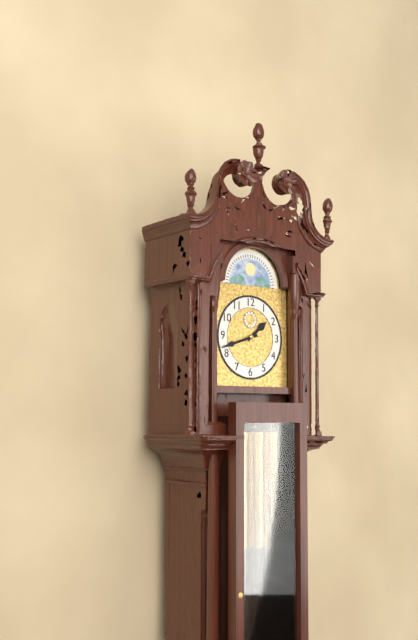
**1:42**
